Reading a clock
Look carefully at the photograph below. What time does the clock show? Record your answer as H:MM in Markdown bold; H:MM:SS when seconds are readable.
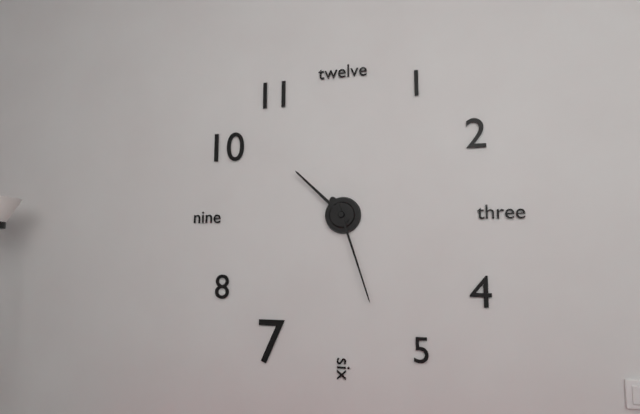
**10:27**
